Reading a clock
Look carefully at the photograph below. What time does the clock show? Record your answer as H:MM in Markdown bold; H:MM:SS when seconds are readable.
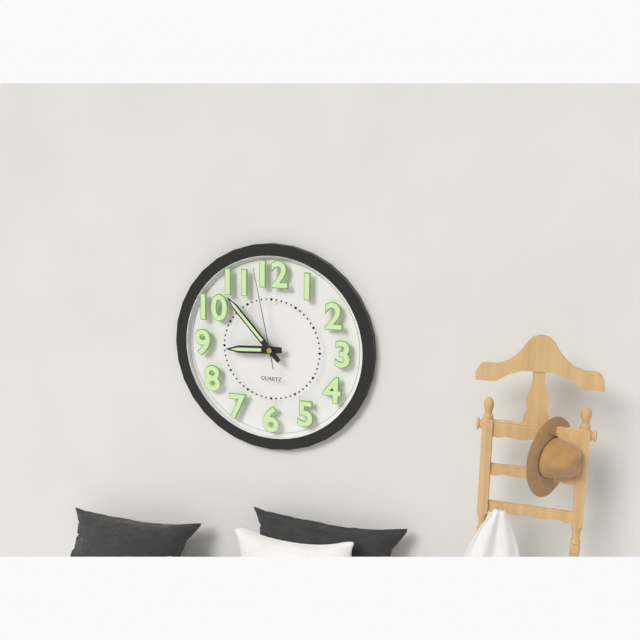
**8:53:58**
